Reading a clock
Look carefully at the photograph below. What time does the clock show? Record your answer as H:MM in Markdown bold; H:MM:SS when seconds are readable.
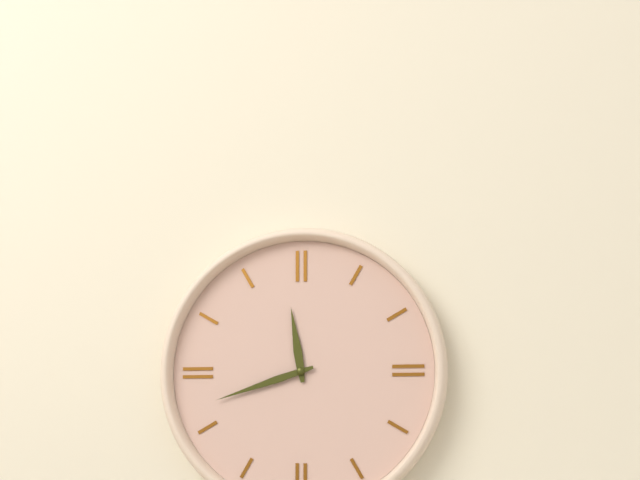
**11:42**
